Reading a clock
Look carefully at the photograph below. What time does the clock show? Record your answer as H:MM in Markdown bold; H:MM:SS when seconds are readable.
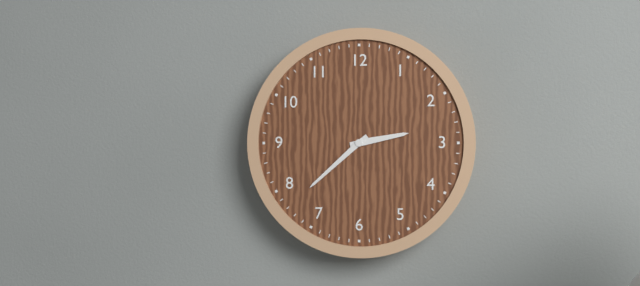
**2:38**
